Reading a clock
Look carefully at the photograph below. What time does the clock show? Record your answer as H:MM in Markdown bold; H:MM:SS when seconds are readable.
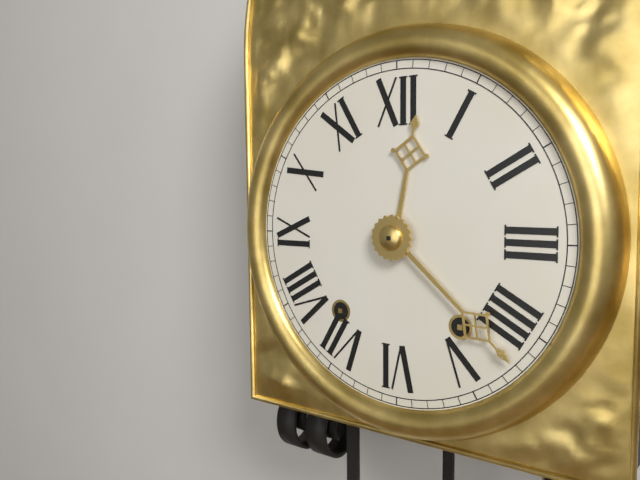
**12:22**
